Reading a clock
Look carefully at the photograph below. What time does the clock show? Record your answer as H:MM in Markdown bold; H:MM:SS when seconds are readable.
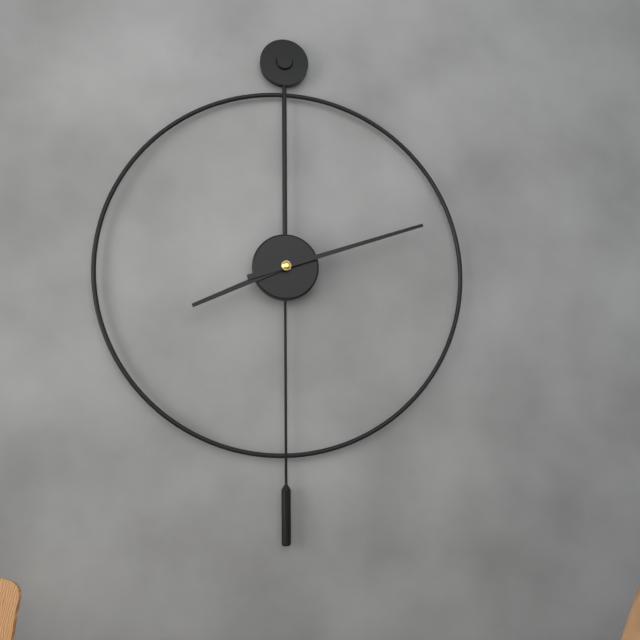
**8:12**
